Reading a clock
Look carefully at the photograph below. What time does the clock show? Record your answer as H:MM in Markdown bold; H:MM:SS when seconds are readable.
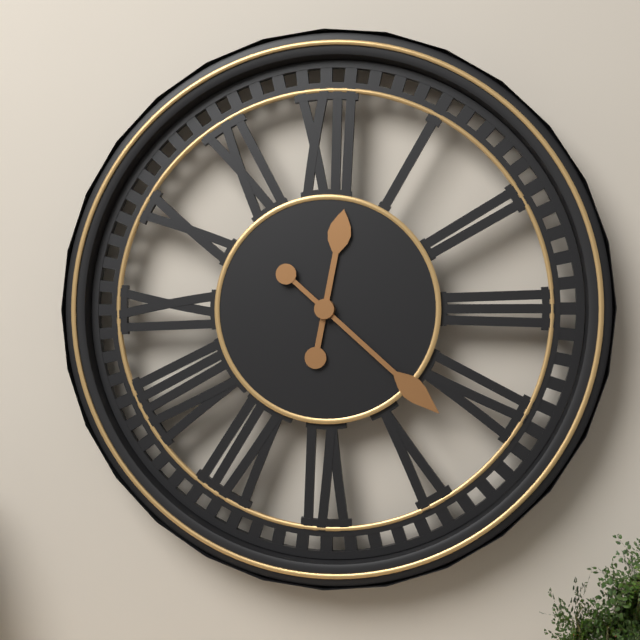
**12:22**
